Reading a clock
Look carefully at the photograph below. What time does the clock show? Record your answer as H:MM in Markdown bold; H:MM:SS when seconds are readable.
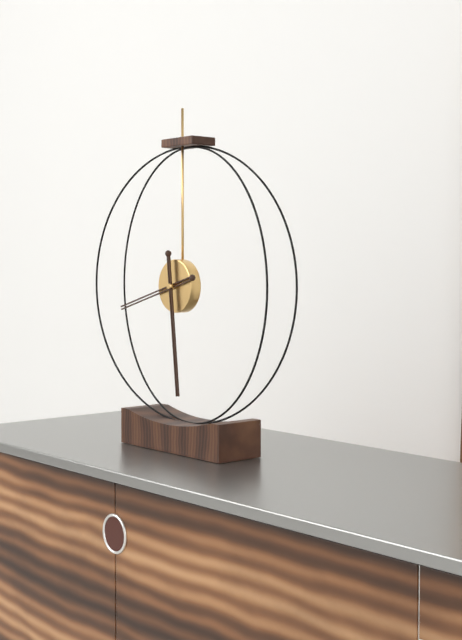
**8:29**
